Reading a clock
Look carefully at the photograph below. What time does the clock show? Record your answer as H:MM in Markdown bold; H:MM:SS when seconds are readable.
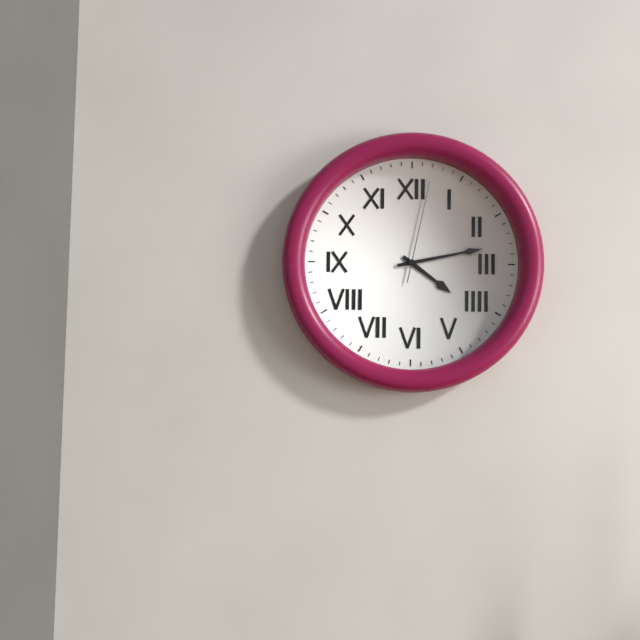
**4:13:02**
